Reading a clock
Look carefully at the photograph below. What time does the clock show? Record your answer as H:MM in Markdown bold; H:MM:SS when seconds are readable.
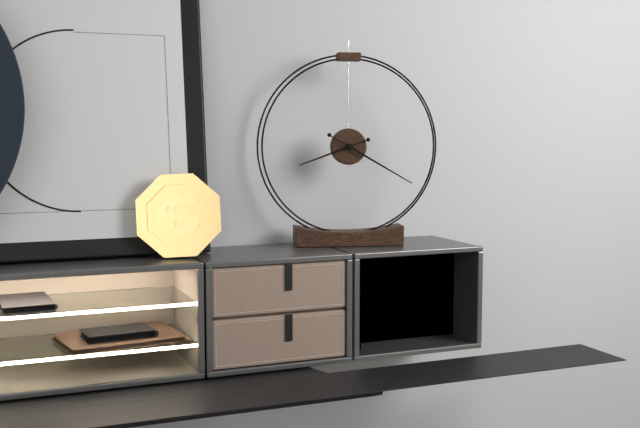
**8:20**
